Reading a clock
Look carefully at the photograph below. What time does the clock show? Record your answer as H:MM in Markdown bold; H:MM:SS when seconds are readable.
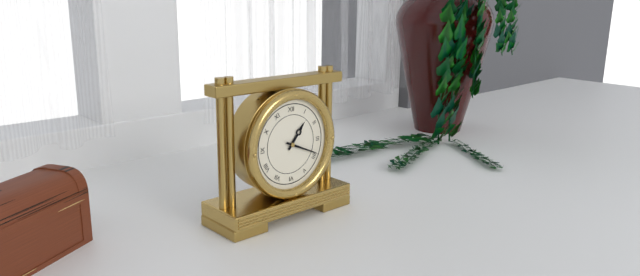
**1:19**
